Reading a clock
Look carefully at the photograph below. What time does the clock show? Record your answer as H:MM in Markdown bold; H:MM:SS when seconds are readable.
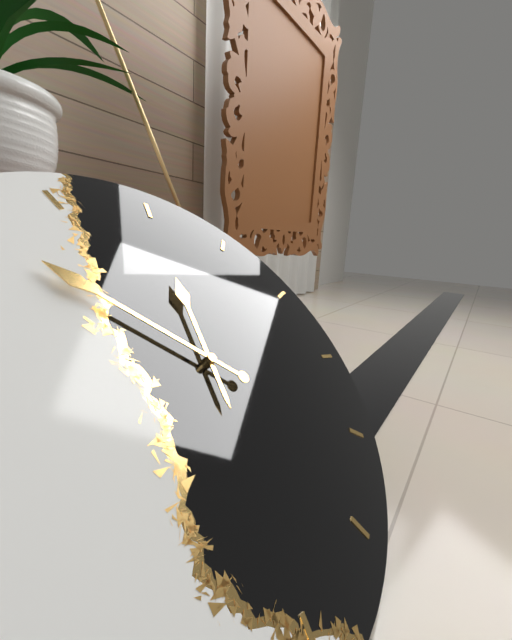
**12:56**
